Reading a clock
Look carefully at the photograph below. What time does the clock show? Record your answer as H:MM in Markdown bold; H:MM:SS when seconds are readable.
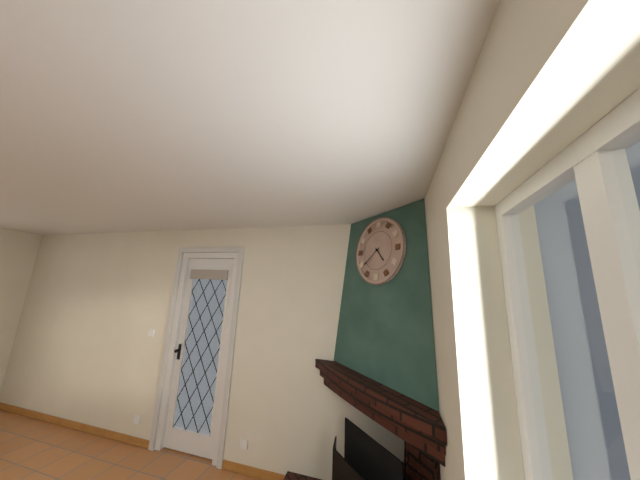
**4:39**
